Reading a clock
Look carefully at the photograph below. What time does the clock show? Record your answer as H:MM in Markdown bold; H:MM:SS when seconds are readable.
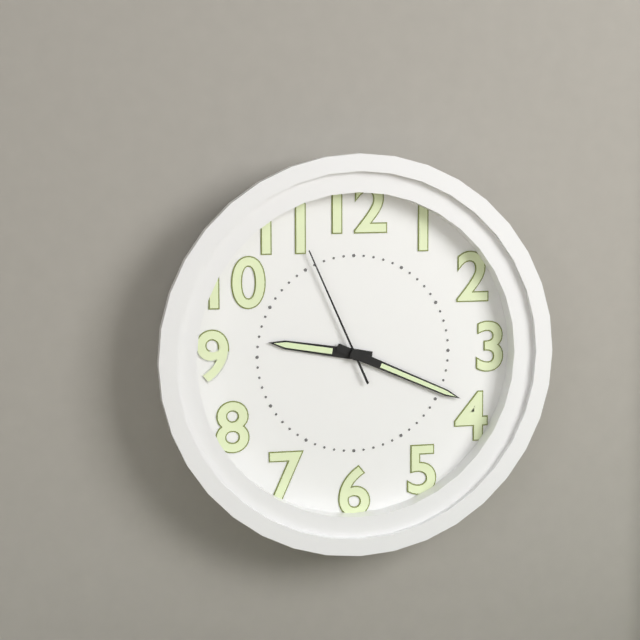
**9:19:56**
